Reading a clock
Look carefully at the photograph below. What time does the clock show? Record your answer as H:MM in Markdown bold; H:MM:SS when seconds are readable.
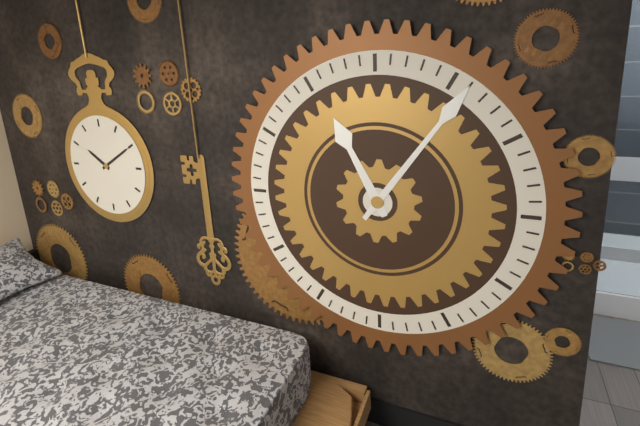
**11:06**
